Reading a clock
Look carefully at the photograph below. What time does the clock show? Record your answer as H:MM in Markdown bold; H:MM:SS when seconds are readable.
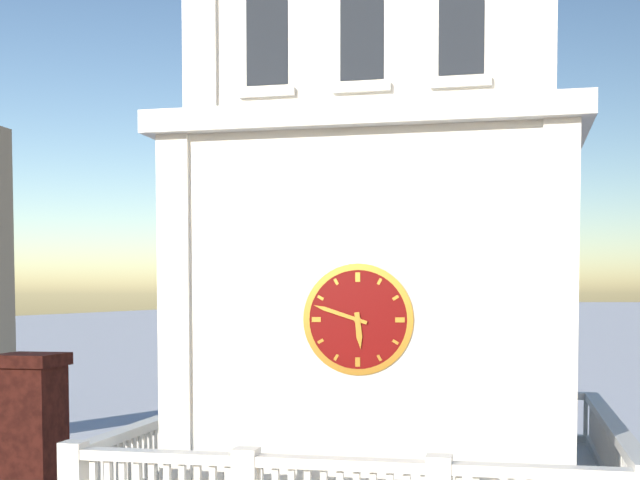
**5:48**
